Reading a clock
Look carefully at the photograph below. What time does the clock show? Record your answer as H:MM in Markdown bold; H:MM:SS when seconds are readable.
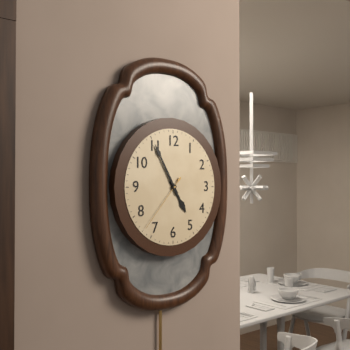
**4:55:37**
